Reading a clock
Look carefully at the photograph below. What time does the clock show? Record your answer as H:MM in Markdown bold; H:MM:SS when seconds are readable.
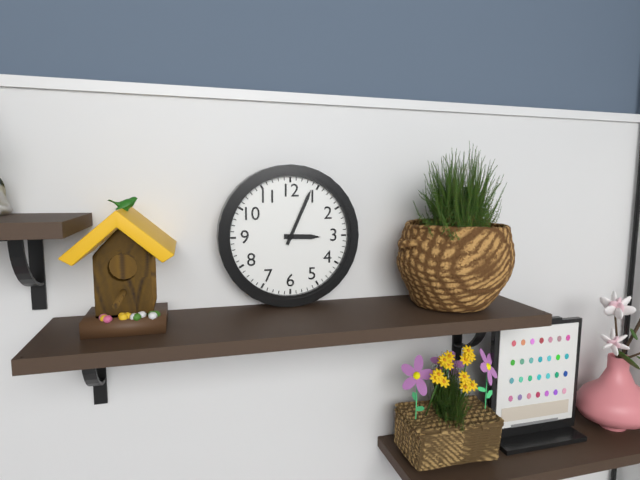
**3:04**
